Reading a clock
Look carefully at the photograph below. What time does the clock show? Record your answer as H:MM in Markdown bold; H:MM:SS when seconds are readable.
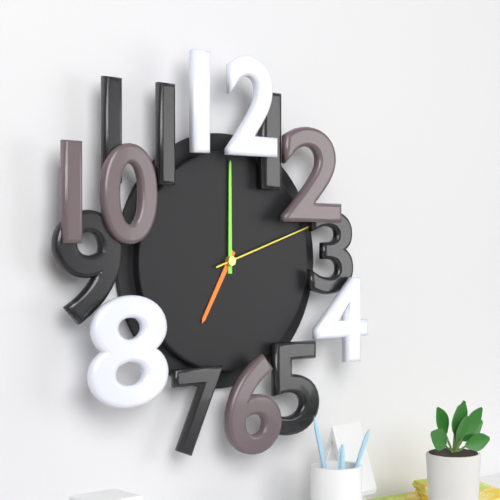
**7:00:12**
